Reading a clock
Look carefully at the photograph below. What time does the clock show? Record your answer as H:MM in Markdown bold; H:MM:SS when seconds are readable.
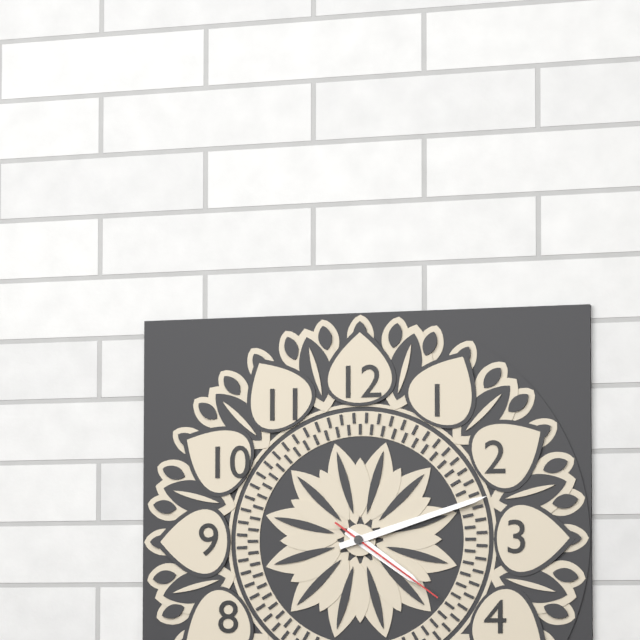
**4:12:21**
